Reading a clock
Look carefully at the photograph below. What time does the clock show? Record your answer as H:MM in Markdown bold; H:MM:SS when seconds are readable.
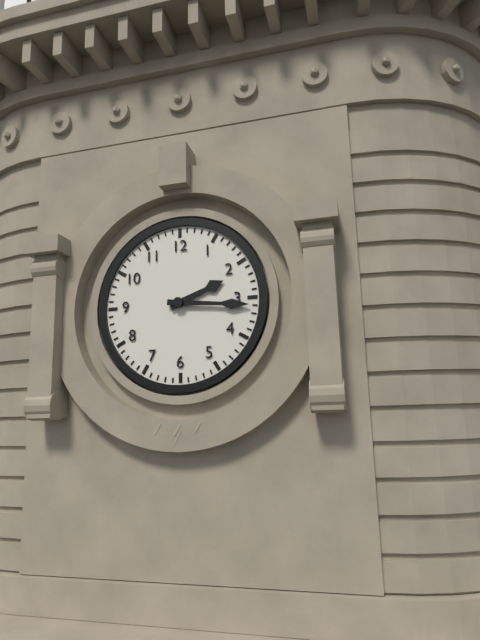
**2:16**
